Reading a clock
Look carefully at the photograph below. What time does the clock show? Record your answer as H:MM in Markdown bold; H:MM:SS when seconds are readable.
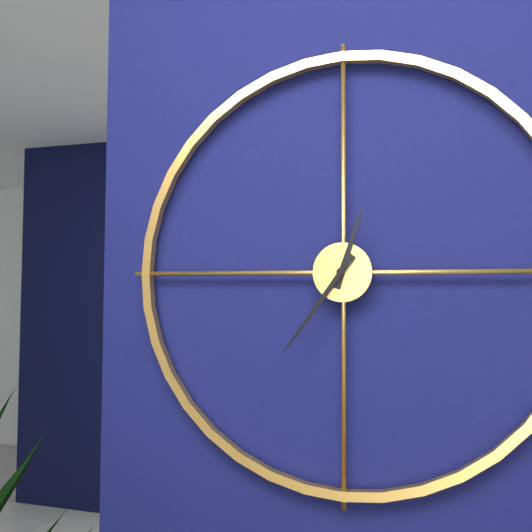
**12:36**
